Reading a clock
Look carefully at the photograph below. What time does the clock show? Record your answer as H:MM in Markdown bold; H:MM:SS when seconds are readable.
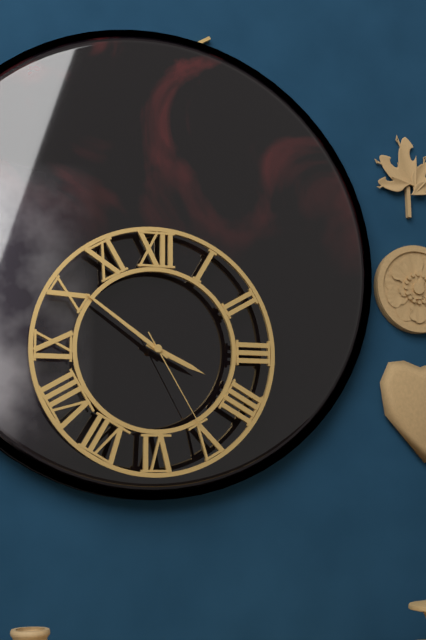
**3:51:25**
